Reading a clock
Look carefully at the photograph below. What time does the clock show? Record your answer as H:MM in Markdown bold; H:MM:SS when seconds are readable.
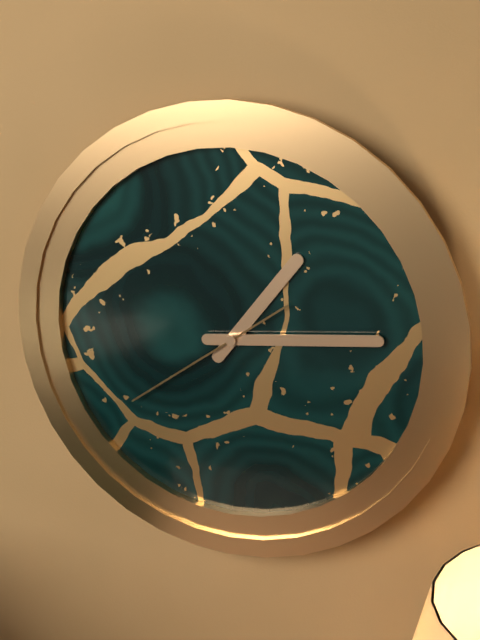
**1:14:39**
